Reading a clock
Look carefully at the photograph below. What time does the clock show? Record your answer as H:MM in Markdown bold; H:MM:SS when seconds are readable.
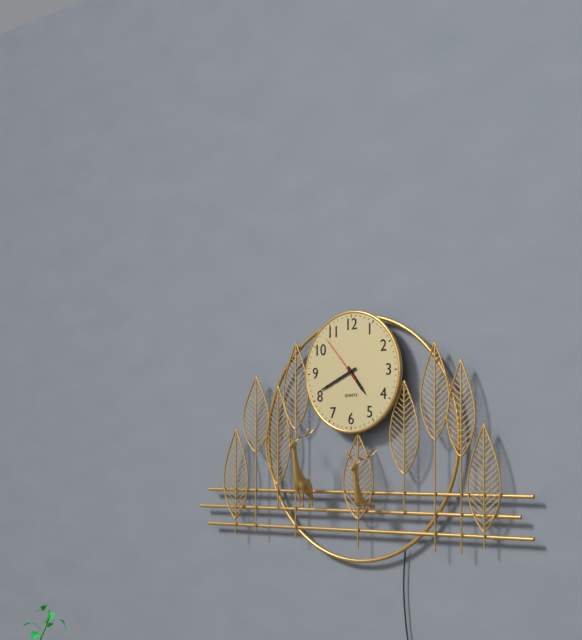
**4:41:53**
